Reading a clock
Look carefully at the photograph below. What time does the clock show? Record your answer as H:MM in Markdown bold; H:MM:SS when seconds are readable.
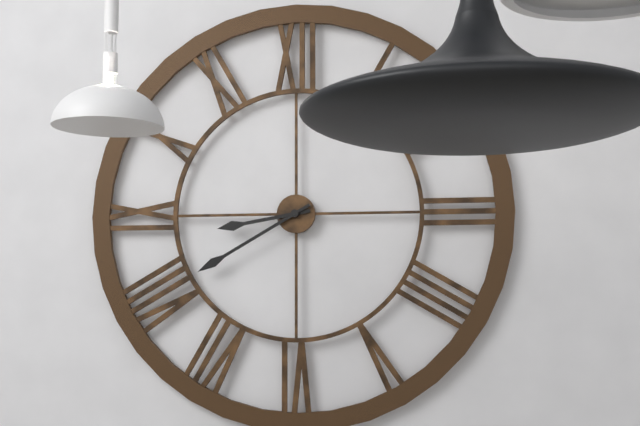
**8:40**
